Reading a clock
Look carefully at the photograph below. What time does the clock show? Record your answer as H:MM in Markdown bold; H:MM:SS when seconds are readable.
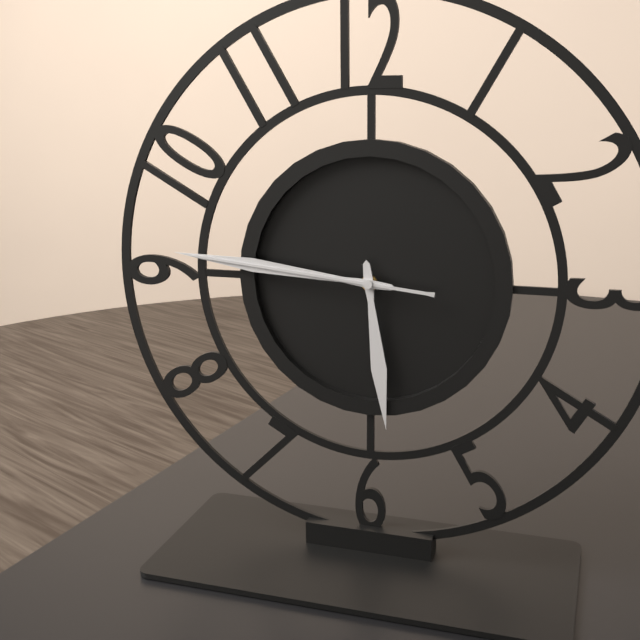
**5:46:46**
